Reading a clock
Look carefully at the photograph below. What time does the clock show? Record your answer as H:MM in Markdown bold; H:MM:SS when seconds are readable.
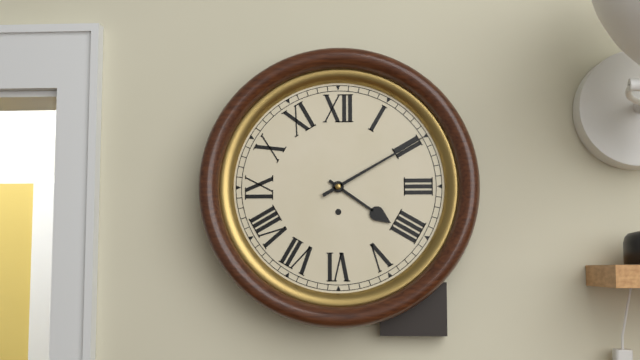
**4:10**
